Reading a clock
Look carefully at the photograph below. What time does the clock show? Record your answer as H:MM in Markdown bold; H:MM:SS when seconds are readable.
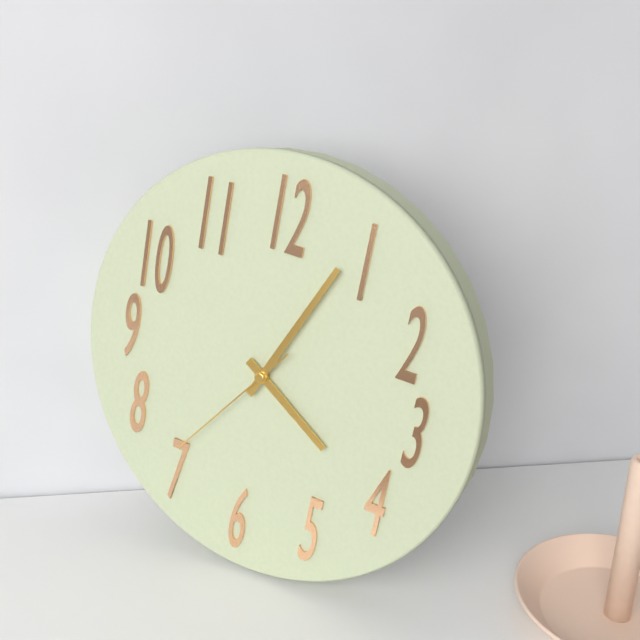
**4:04:36**
